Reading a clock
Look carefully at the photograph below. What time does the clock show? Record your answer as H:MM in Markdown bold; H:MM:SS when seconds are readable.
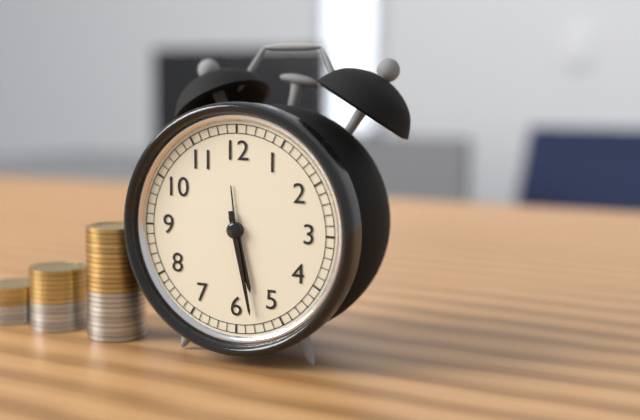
**5:28**
